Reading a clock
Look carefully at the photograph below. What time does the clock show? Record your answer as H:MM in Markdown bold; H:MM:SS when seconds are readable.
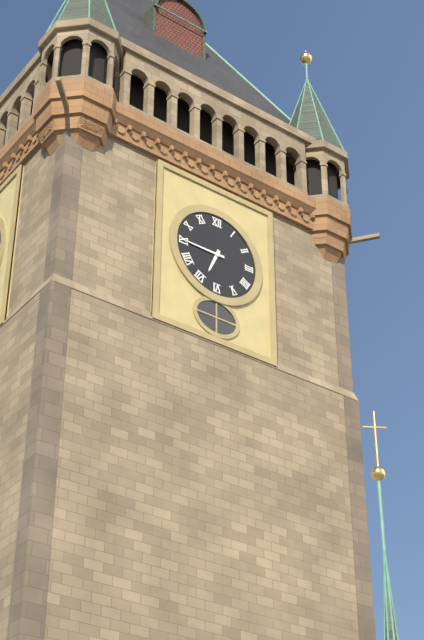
**6:45**
